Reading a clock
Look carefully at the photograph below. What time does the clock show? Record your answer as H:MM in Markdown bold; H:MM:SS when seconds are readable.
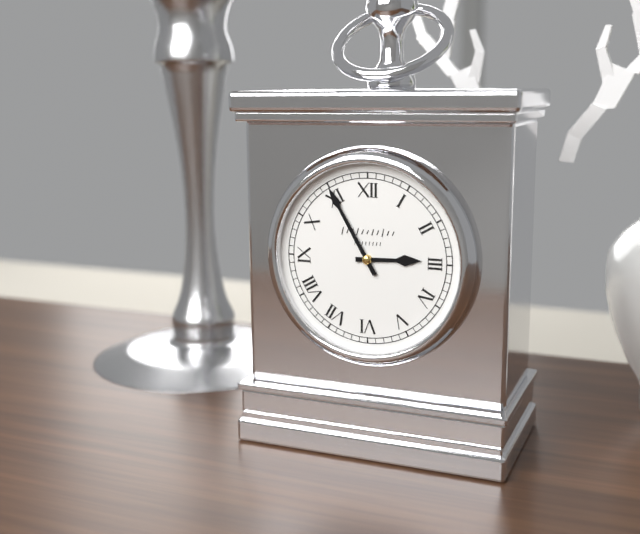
**2:55**
